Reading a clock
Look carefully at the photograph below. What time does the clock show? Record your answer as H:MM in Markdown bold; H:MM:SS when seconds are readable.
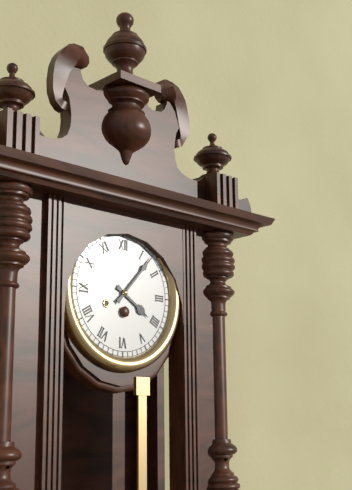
**4:07**
